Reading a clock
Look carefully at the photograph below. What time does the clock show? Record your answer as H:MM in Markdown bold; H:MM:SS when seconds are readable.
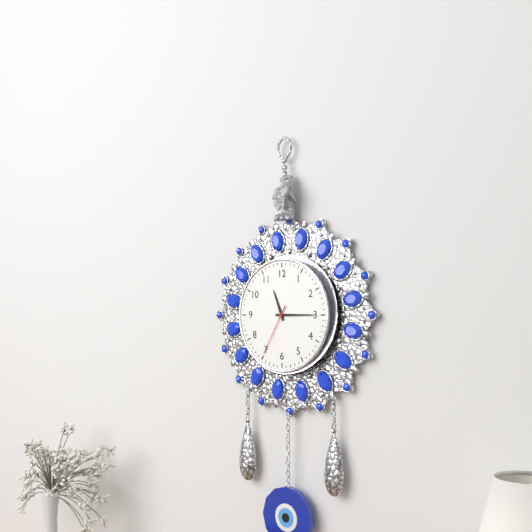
**11:15:35**
